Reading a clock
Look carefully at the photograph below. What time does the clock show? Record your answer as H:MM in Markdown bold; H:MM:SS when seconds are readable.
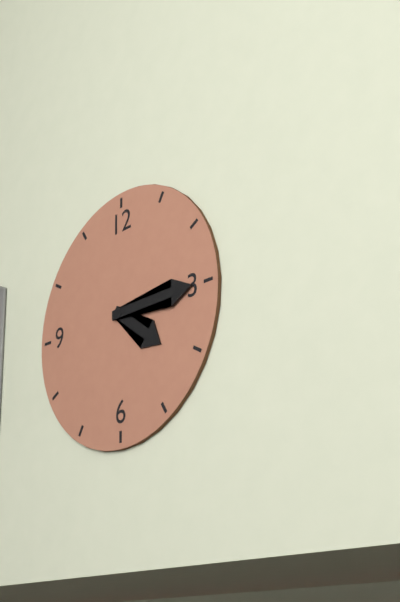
**4:15**
